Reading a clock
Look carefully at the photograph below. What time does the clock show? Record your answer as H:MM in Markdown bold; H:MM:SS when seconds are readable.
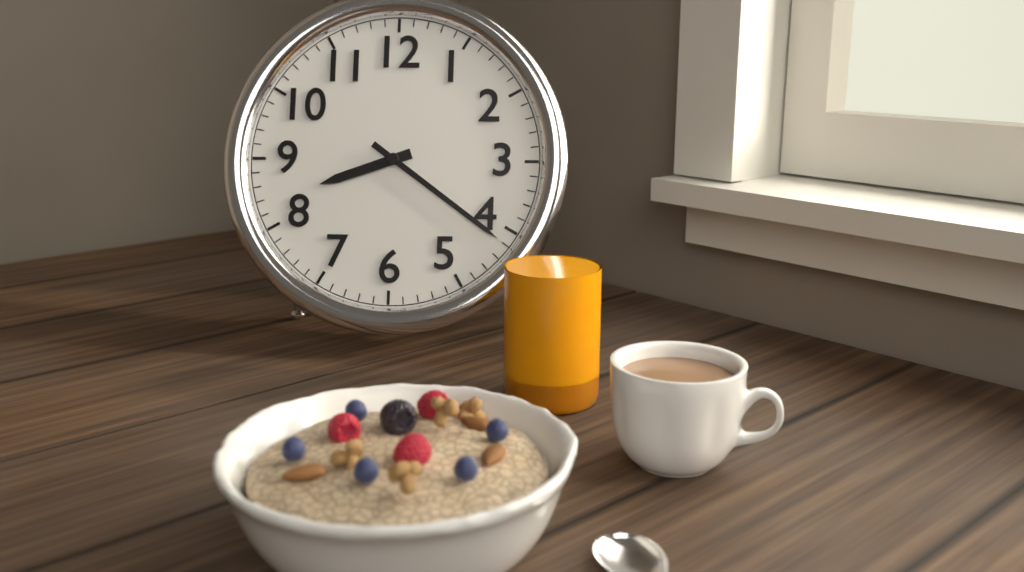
**8:21**
